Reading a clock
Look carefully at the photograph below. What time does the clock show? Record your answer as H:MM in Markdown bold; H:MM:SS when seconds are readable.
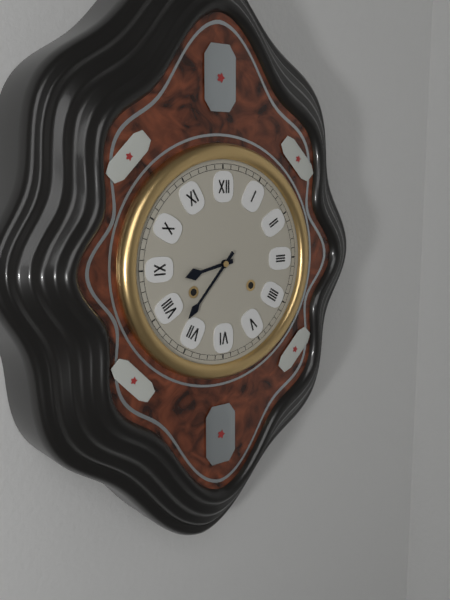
**8:37**
